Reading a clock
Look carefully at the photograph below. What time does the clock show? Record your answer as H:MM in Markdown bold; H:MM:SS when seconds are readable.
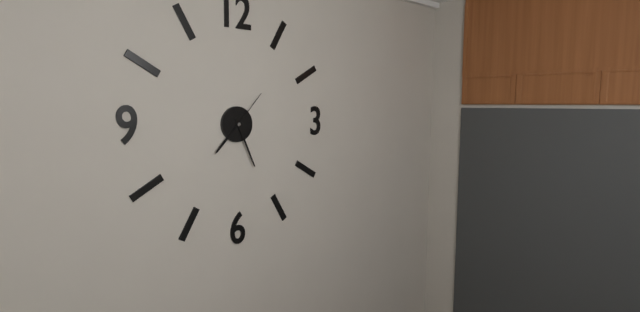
**7:26:07**
